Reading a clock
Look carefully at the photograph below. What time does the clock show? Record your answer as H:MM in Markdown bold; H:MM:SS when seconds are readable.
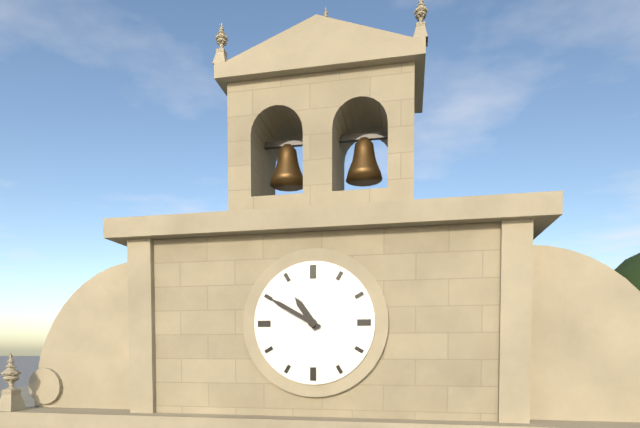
**10:50**
